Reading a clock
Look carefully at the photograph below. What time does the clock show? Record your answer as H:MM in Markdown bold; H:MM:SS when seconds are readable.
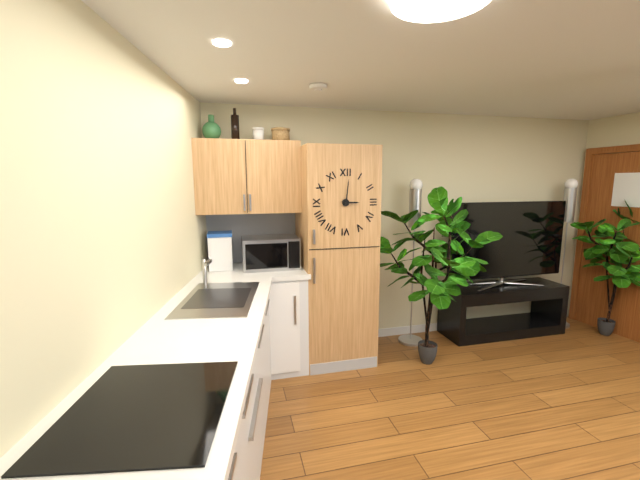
**3:01**
